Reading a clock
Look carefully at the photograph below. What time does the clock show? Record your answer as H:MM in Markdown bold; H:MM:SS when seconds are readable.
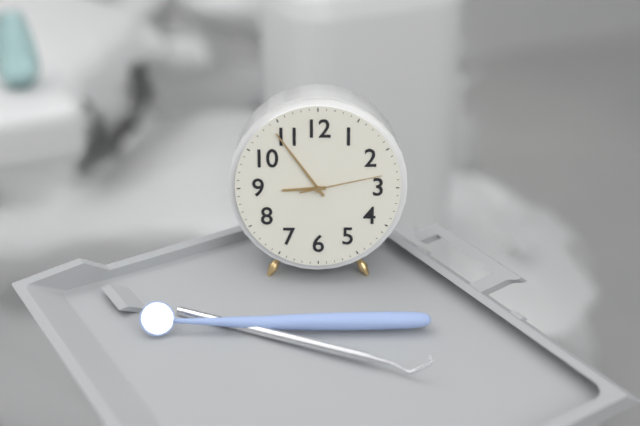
**8:54:13**
